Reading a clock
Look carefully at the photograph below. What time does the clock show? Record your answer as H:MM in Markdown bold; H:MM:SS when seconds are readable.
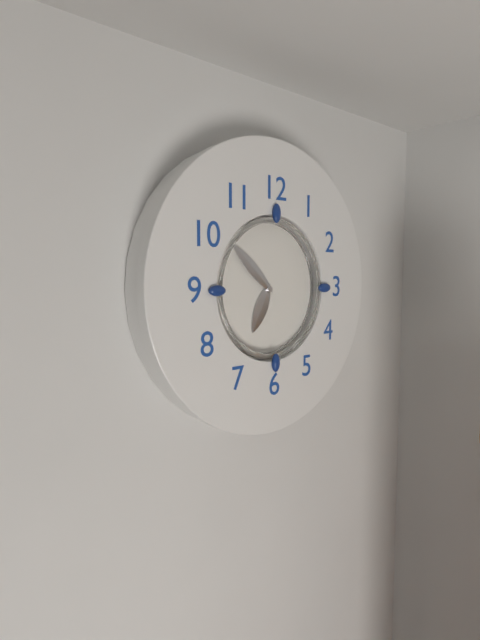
**6:52**
